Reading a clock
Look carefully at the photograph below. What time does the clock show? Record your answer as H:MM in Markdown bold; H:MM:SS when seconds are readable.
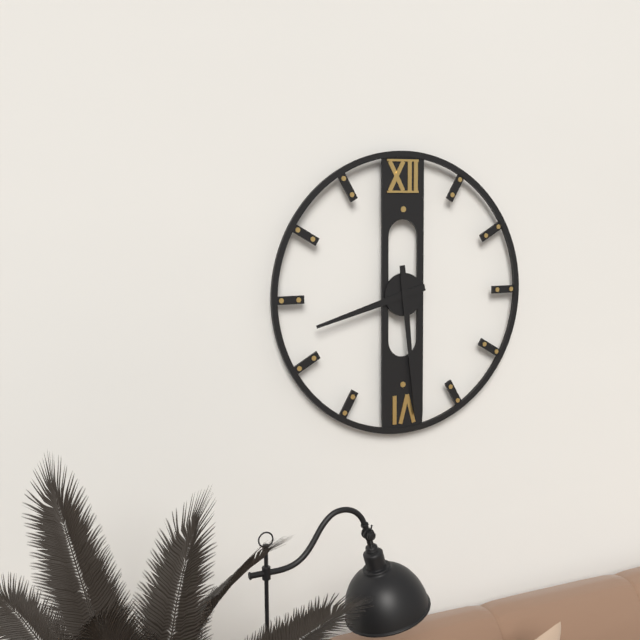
**8:29**
